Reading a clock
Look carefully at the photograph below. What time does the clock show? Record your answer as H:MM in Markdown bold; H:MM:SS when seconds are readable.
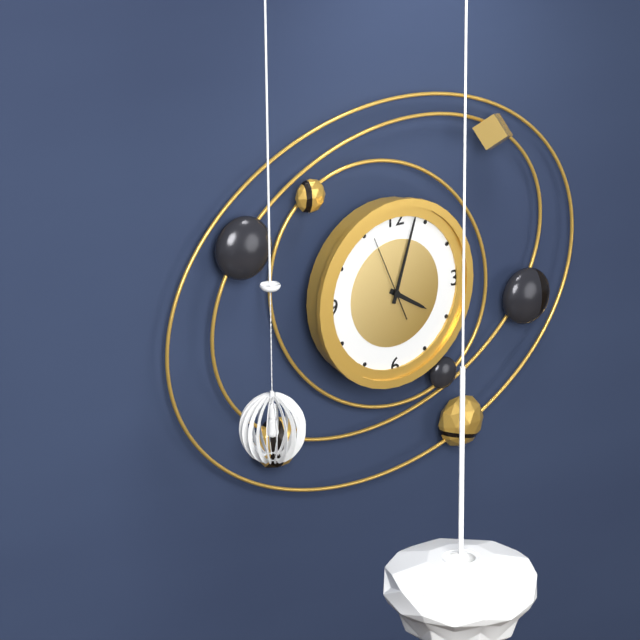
**4:03:56**
